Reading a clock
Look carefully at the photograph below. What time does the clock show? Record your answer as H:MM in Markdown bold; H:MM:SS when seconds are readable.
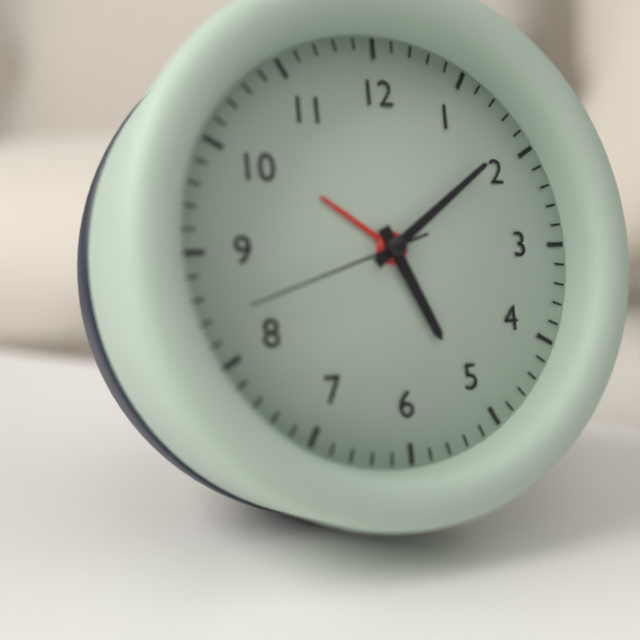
**5:09:42**
